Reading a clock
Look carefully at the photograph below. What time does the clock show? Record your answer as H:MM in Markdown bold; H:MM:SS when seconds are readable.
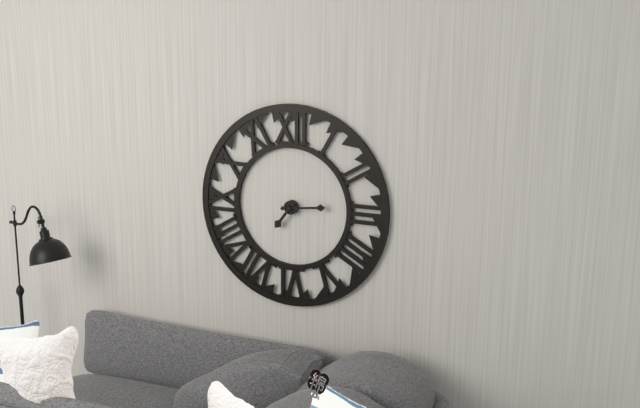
**7:14**
